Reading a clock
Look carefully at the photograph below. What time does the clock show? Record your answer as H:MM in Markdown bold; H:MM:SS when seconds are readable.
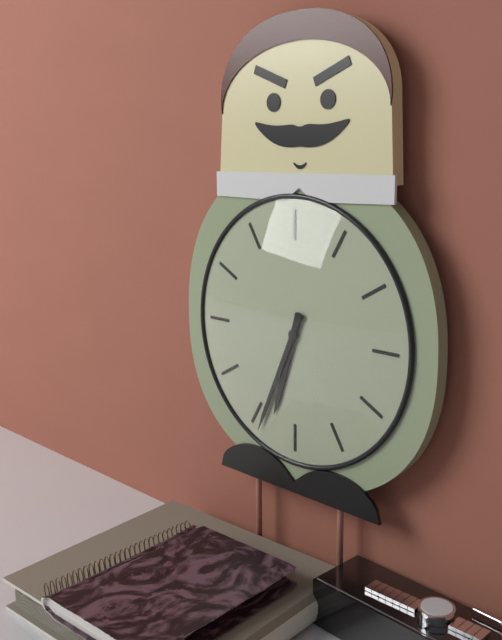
**6:34**
